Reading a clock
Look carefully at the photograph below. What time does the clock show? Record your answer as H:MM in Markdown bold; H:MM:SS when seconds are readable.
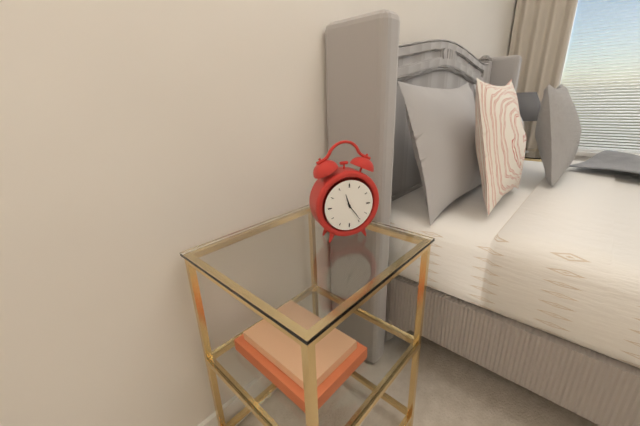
**11:24**
